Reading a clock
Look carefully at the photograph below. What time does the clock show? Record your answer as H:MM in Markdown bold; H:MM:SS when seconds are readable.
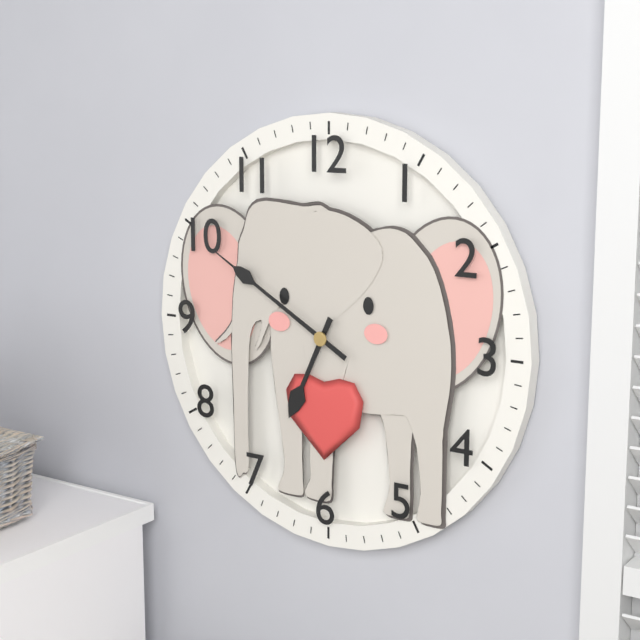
**6:50**
